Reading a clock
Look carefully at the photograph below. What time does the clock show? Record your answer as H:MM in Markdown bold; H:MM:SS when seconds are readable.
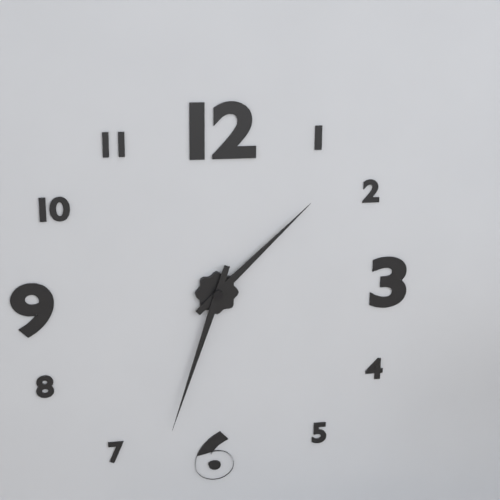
**1:33**
